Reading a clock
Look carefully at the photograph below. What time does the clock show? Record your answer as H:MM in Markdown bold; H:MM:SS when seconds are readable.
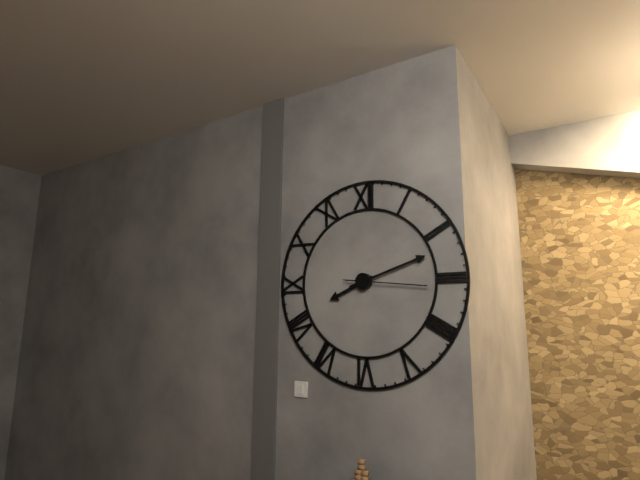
**8:12:16**
